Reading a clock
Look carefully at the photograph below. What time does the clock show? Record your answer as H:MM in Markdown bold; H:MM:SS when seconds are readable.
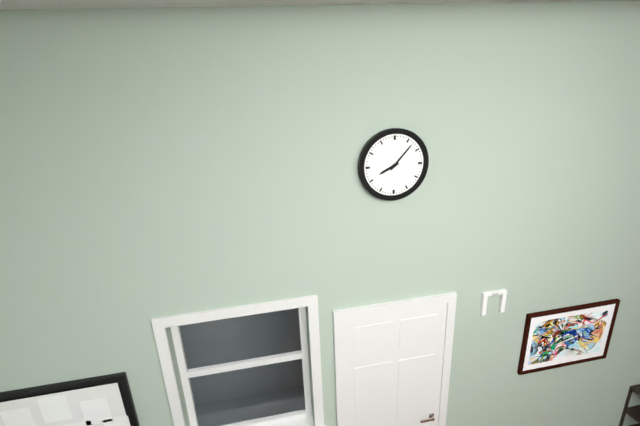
**8:07**
